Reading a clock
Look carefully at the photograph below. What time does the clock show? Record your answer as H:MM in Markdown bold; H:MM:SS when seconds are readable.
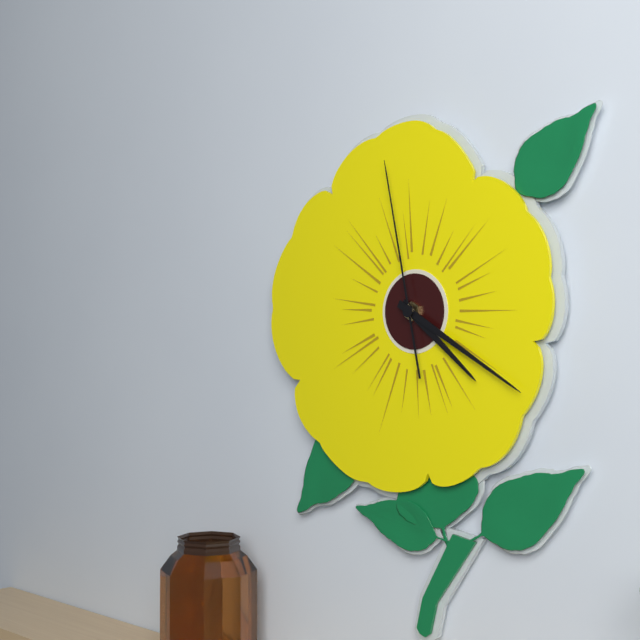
**4:20:58**
